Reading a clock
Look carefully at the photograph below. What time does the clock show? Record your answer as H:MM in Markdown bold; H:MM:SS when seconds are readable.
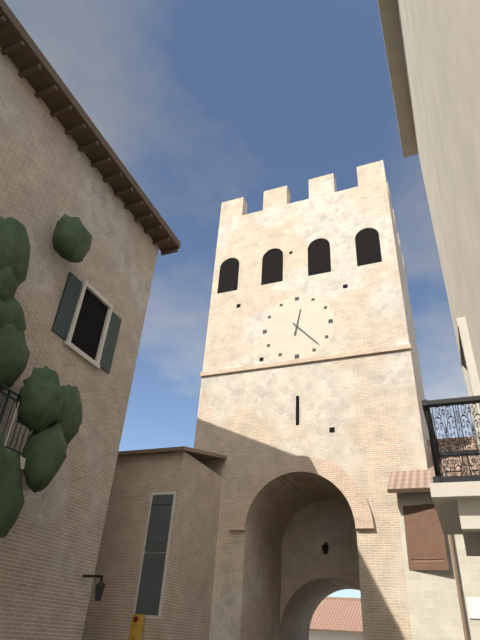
**12:23**
